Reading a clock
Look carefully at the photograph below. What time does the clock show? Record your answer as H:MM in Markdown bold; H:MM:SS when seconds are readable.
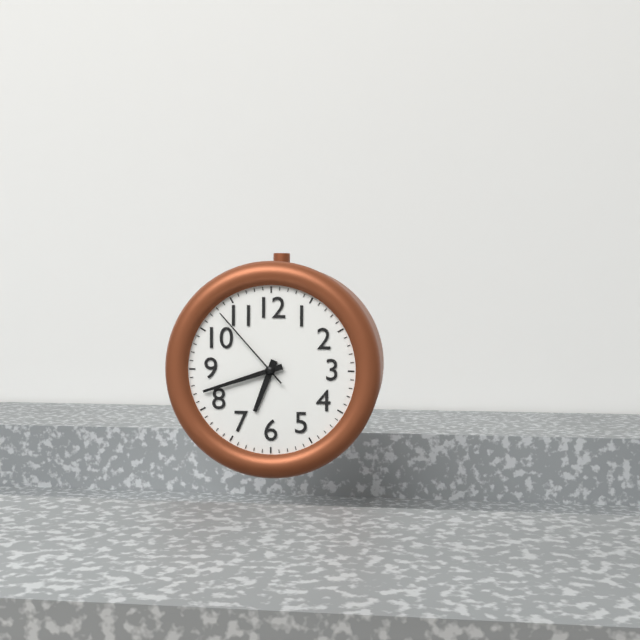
**6:42:53**
